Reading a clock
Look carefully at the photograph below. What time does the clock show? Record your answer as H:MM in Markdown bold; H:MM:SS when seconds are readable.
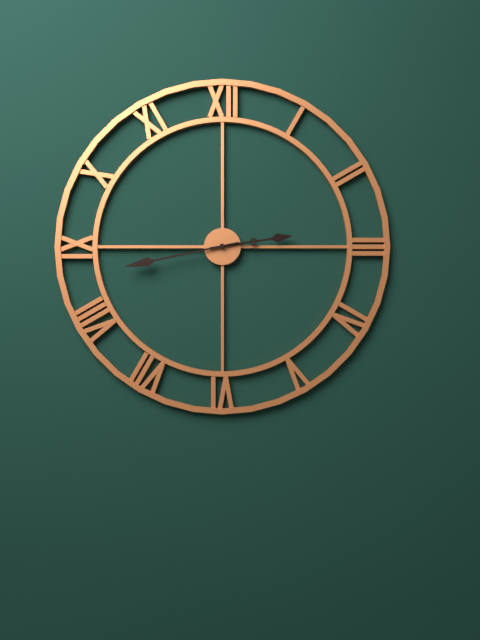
**2:43**
